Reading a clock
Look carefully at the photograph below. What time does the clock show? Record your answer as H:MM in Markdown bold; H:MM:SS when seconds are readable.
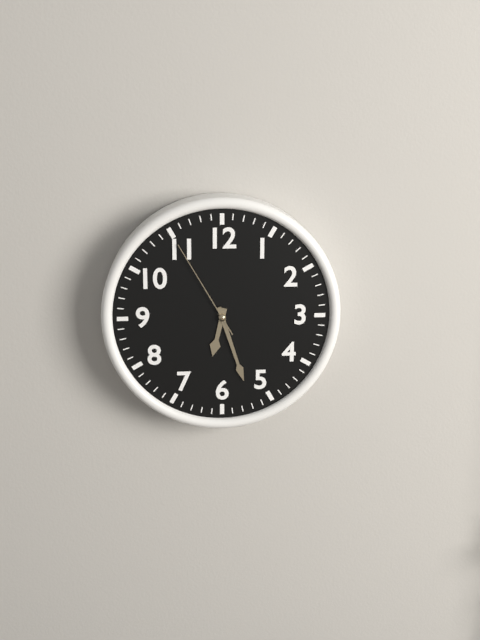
**6:27:55**
